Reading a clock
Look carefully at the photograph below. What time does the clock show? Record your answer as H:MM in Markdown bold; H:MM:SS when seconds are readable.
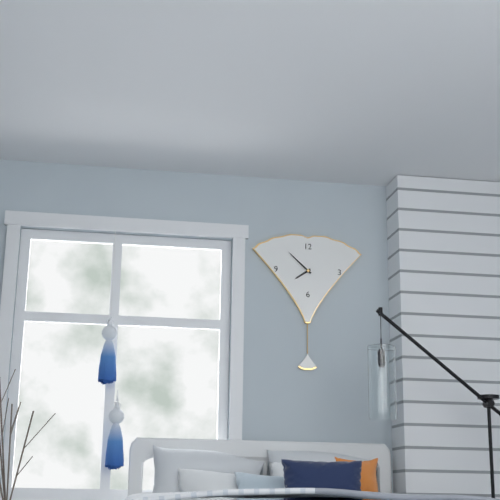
**7:52**
